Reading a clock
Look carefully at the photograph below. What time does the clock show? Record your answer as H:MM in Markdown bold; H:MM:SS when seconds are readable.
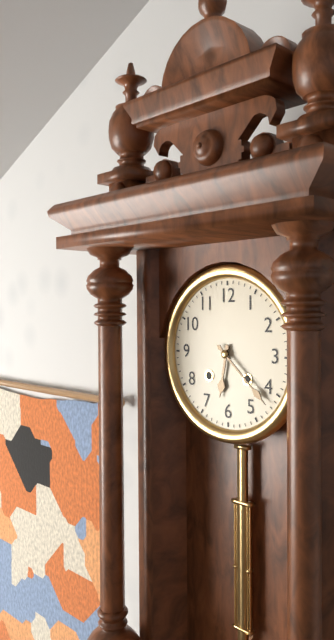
**6:22**
